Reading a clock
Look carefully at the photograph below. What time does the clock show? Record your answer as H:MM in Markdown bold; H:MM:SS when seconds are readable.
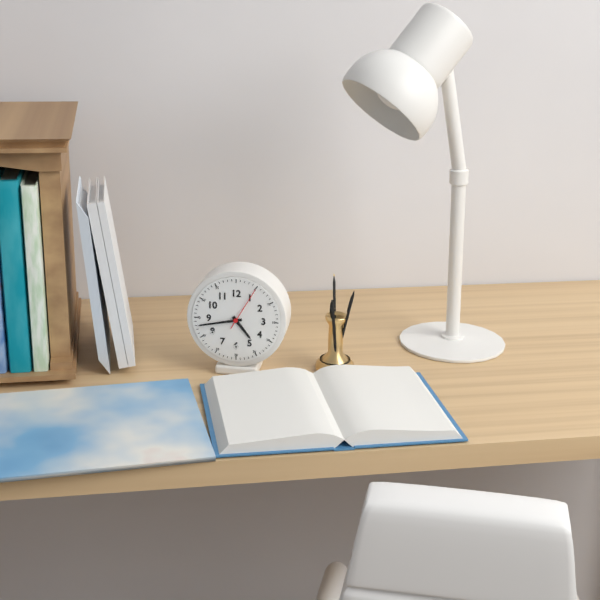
**4:43**
